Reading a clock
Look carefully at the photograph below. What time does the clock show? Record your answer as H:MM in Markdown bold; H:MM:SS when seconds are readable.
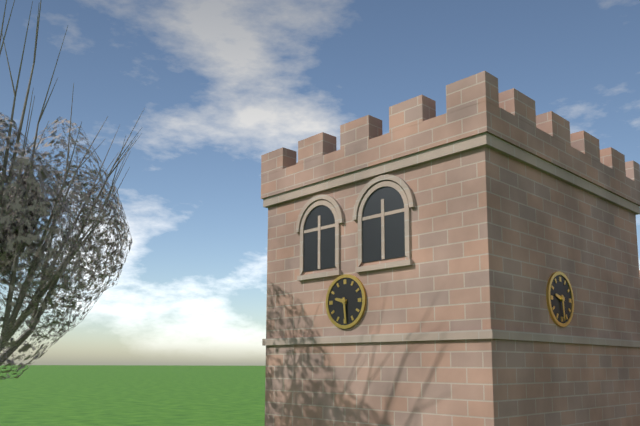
**9:29**
